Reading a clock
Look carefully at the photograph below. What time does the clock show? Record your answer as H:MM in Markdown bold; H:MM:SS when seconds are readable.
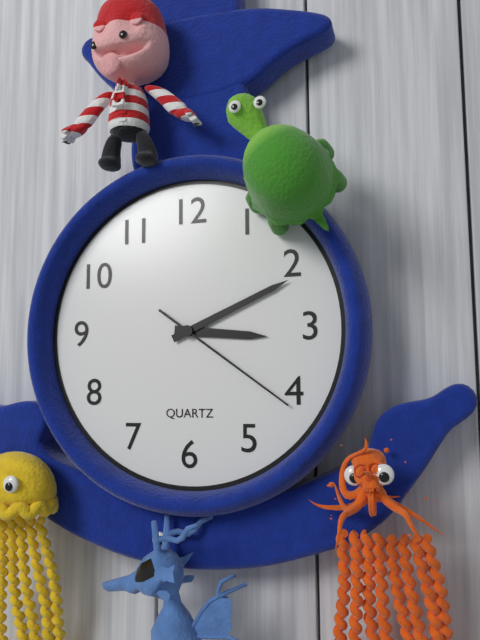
**3:11:21**
